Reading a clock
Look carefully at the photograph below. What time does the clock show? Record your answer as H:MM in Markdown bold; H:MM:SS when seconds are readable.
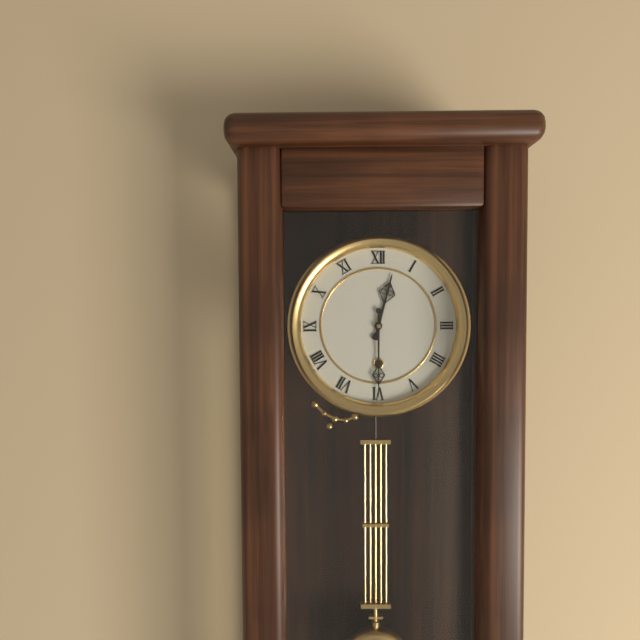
**12:30**
